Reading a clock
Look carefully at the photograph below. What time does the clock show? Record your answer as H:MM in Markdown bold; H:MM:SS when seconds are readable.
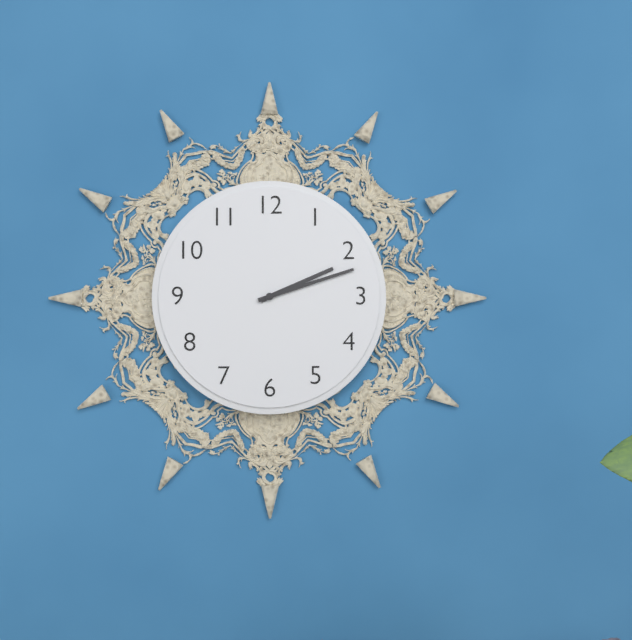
**2:12**
